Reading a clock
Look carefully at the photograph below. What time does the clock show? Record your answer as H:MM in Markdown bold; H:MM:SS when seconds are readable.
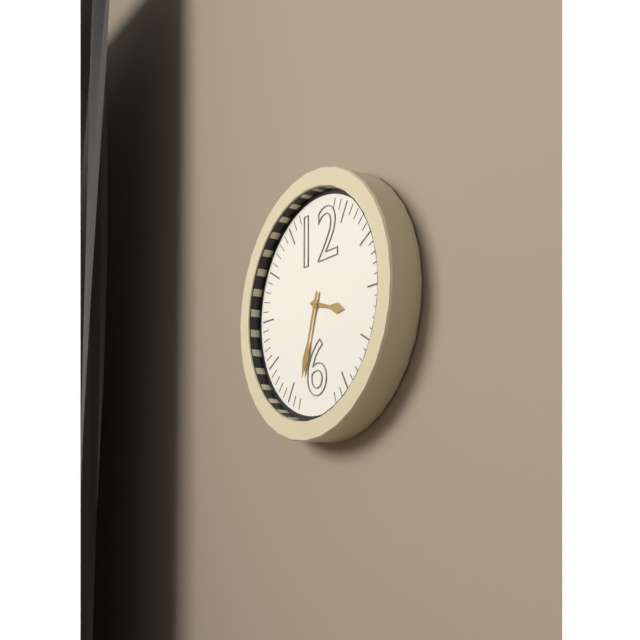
**3:33**
